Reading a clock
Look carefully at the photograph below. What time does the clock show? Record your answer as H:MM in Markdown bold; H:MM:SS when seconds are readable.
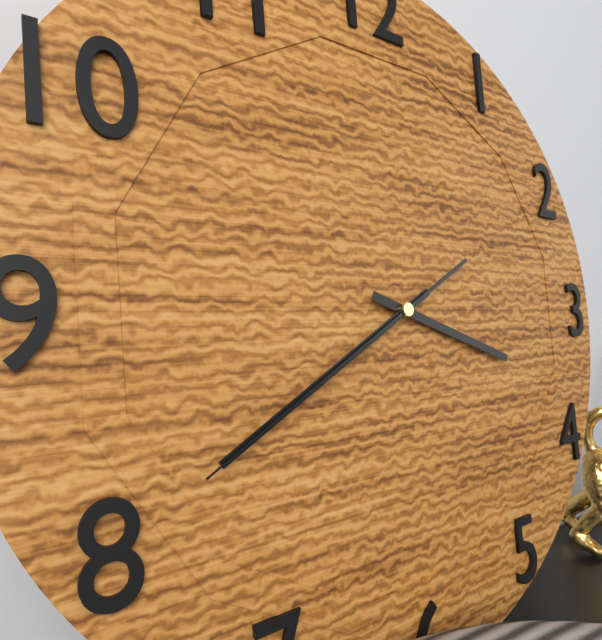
**3:40:40**
